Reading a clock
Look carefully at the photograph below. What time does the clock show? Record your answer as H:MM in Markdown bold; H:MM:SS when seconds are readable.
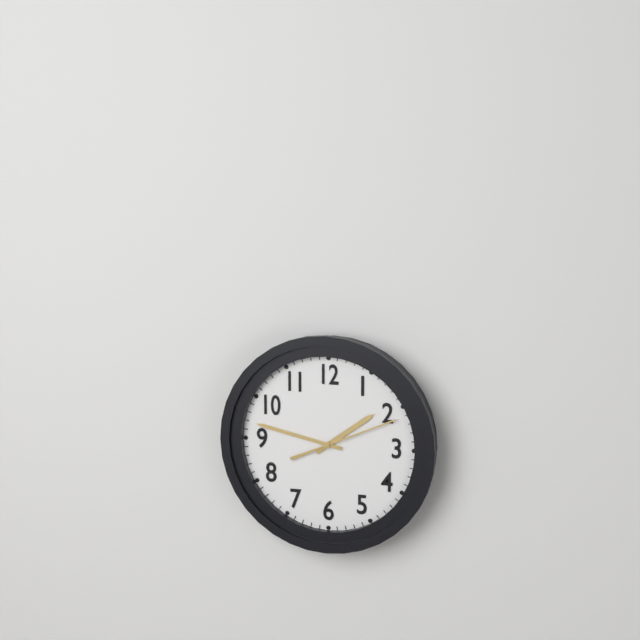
**1:47:11**
